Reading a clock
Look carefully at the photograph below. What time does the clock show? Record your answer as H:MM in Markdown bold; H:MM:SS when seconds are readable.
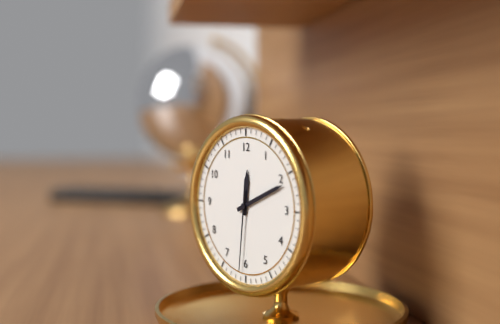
**12:11:31**
